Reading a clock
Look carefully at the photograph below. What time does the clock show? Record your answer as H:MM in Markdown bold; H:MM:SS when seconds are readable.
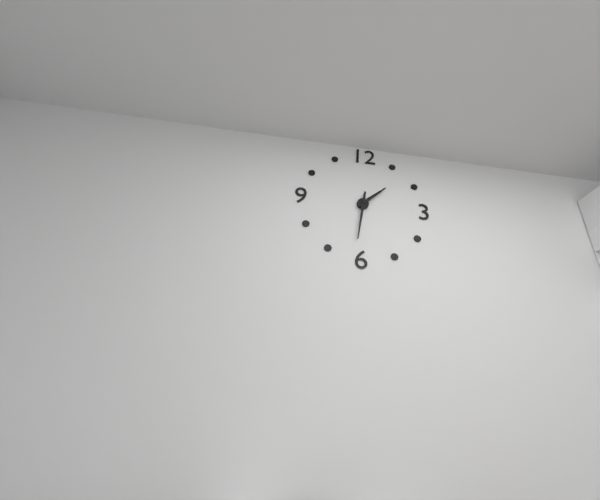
**1:31**
